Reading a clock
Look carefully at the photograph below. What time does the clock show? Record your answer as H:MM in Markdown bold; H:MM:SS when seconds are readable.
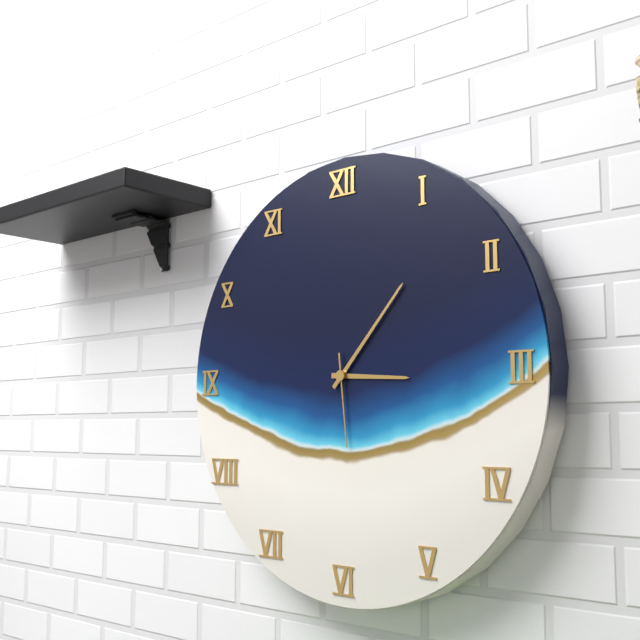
**3:07:29**
